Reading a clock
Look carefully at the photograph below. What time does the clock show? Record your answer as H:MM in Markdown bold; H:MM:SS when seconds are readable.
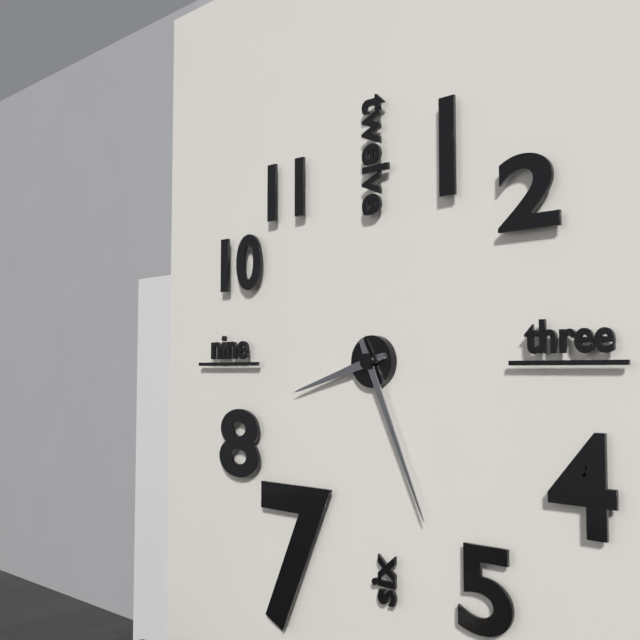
**8:26**
